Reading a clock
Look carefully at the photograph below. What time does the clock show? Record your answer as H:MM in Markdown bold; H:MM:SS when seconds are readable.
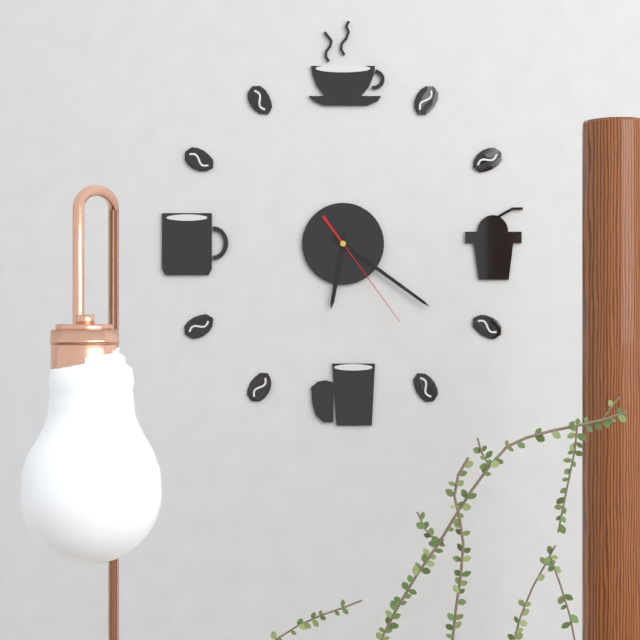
**6:21:24**
